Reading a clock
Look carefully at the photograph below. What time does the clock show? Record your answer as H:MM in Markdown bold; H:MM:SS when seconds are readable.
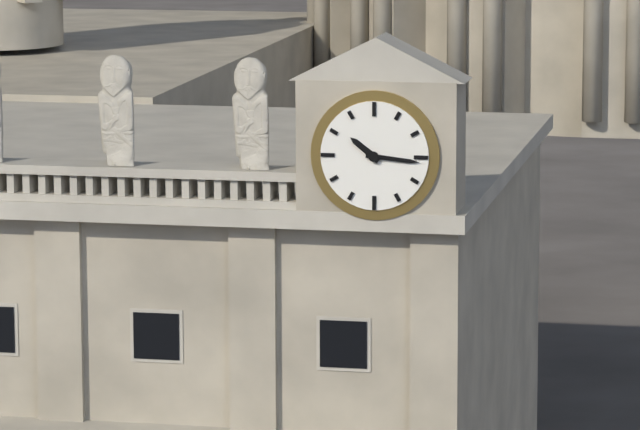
**10:16**
